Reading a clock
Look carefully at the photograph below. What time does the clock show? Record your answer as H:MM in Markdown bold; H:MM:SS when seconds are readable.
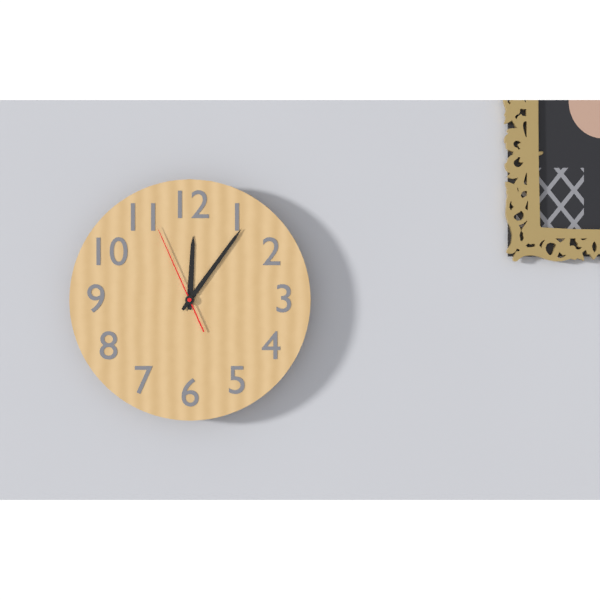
**12:06:56**
